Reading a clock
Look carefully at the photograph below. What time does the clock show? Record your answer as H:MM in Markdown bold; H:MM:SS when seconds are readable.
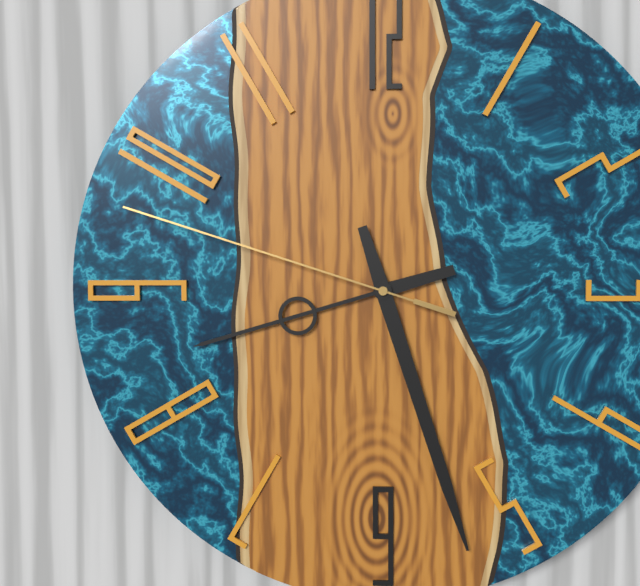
**8:27:48**
